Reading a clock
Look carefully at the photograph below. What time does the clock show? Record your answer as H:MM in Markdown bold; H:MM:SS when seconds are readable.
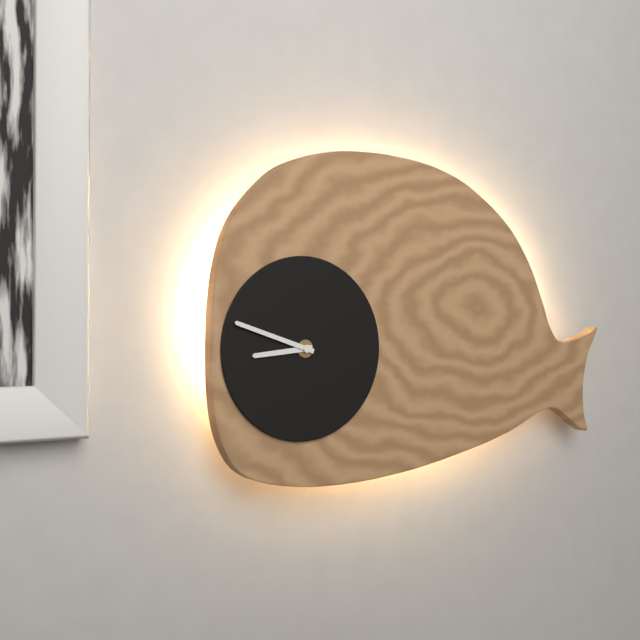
**8:48**
